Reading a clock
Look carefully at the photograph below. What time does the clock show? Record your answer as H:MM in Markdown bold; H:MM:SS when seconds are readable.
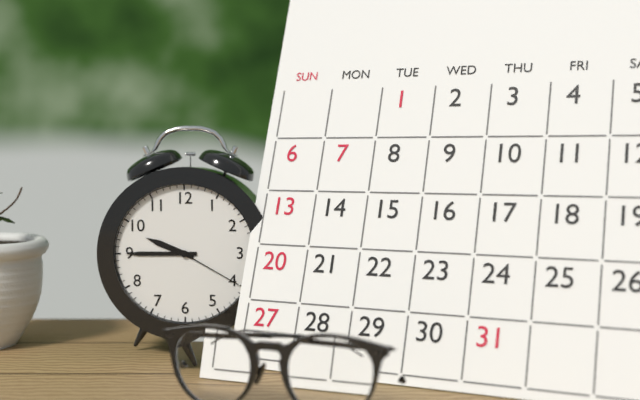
**9:45:20**
